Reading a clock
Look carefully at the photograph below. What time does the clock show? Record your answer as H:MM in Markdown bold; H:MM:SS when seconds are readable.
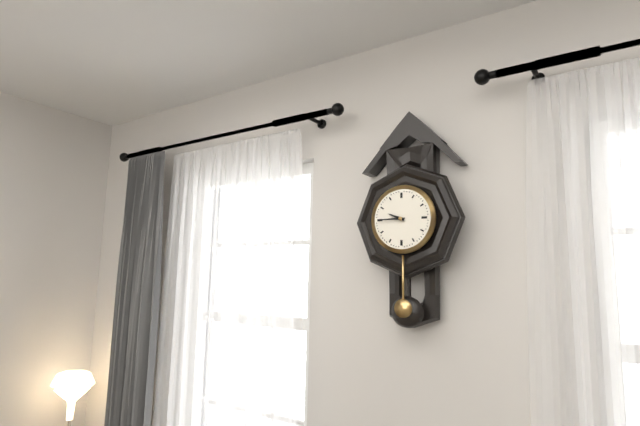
**9:45**
